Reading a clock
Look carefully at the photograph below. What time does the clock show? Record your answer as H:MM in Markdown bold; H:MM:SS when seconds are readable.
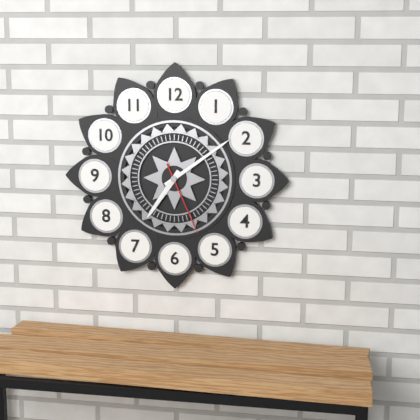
**7:09:26**
